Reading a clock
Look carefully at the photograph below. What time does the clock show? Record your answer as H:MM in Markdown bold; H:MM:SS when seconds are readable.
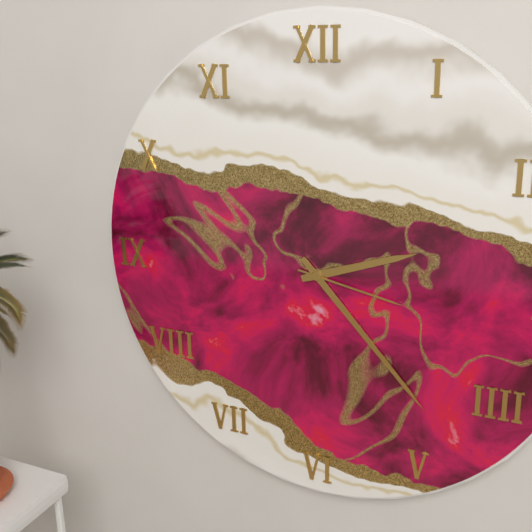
**2:23:17**
